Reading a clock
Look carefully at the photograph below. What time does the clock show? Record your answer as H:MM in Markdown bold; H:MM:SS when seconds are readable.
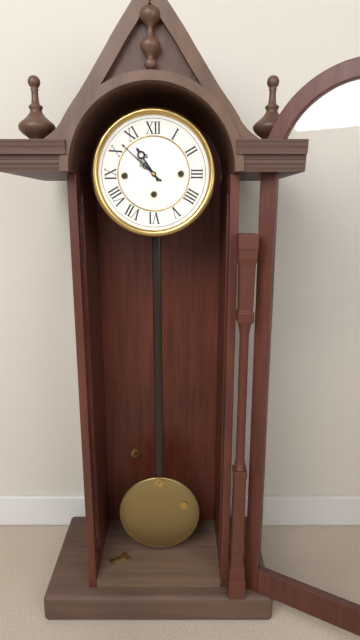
**10:52**
